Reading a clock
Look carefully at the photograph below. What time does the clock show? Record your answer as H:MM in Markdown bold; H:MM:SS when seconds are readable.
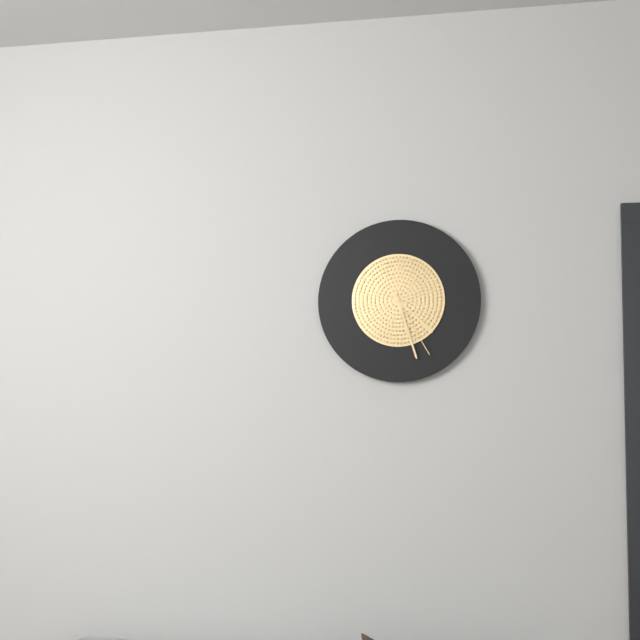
**4:27:25**
